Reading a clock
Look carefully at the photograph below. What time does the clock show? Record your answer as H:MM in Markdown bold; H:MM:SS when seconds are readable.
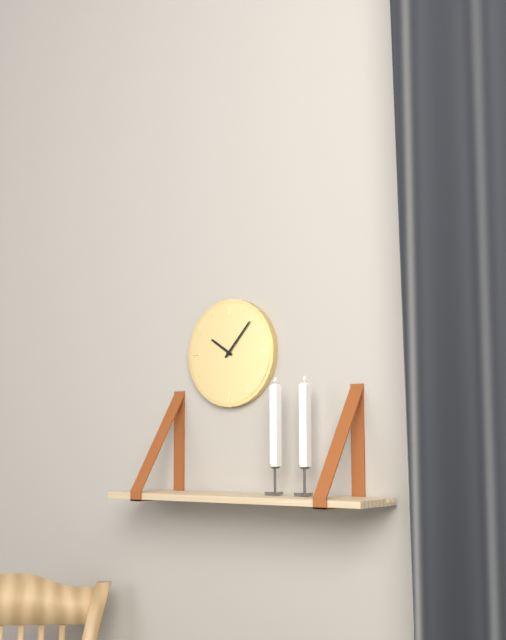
**10:07**
